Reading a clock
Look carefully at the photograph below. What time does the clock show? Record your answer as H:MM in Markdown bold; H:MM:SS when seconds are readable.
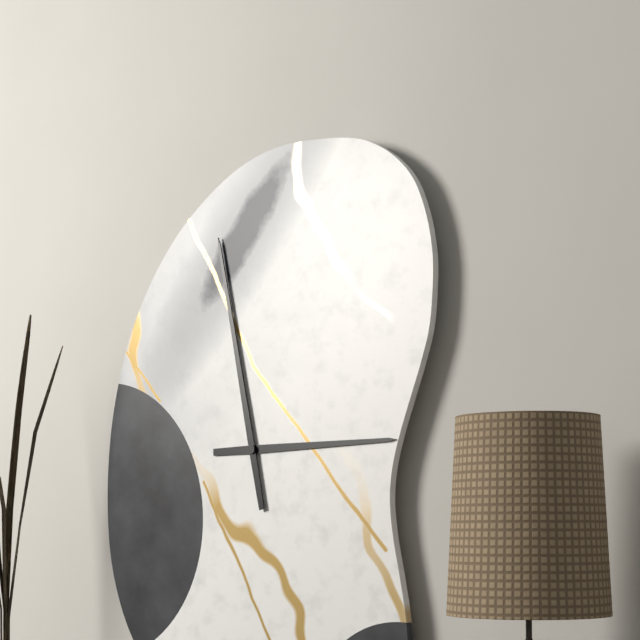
**2:58**
